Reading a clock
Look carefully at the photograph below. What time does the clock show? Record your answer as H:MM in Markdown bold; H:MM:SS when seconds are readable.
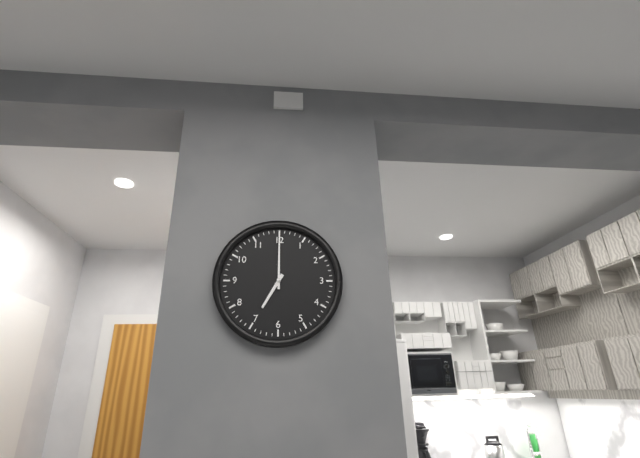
**7:00**
